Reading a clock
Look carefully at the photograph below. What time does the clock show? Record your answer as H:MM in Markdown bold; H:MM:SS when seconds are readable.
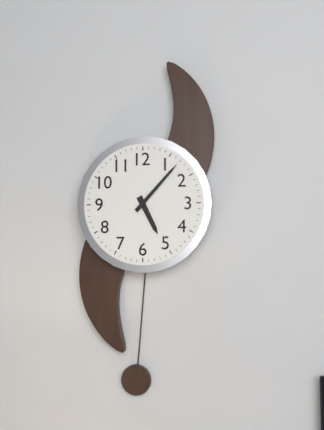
**5:07**
